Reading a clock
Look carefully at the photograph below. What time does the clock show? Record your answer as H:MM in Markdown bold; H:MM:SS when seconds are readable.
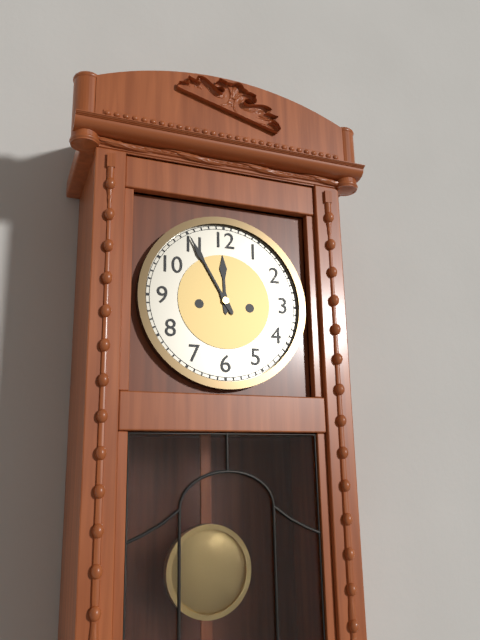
**11:55**
